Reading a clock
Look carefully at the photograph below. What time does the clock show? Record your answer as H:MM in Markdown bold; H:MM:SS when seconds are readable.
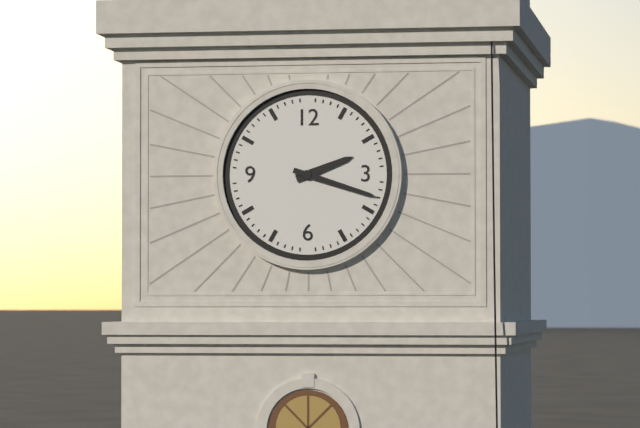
**2:18**
